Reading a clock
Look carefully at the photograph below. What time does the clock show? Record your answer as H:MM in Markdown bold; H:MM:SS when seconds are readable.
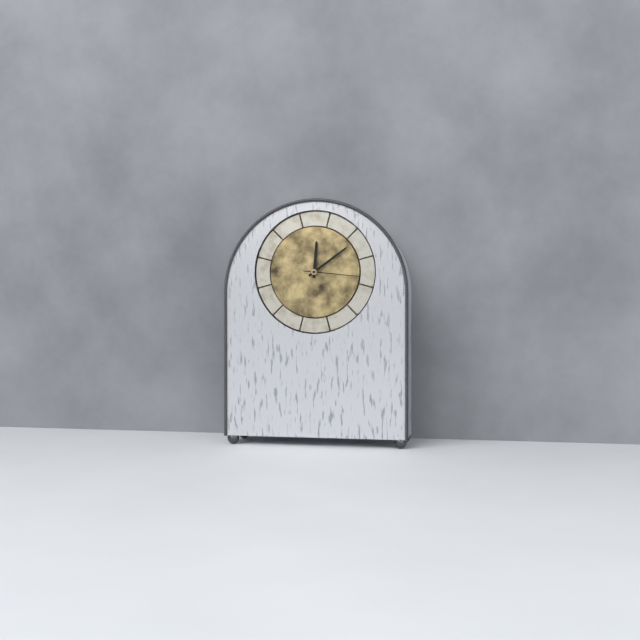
**12:09:16**
